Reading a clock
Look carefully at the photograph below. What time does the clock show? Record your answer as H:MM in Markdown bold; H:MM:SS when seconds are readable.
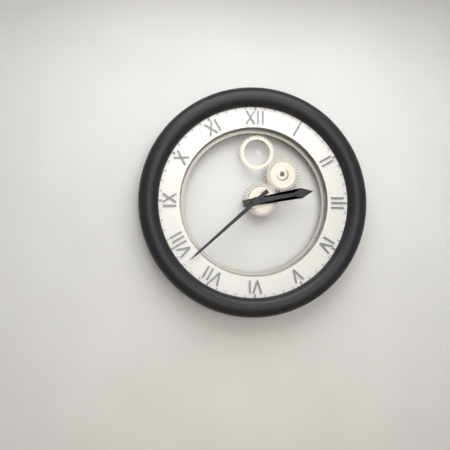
**2:38**
